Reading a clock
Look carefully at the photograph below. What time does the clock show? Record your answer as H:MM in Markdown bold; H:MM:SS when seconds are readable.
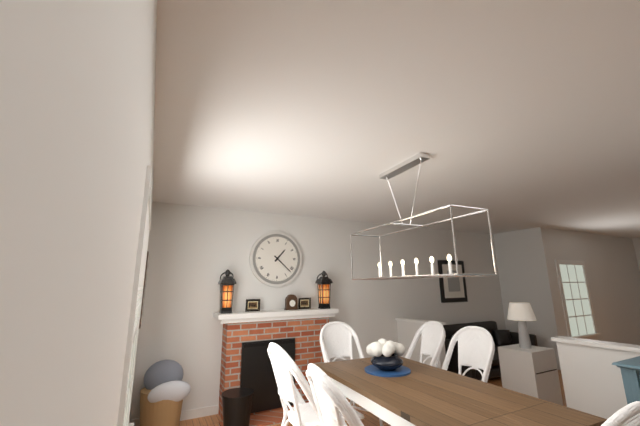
**1:22**
